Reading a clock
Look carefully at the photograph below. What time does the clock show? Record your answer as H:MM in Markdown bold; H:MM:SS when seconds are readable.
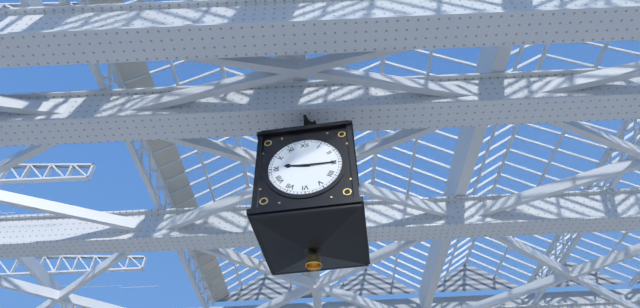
**9:15**
